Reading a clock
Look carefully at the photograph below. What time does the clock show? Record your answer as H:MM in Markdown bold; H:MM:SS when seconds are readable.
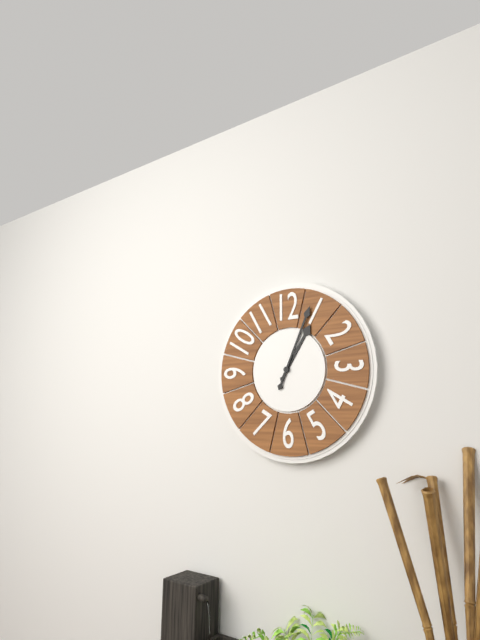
**1:04**
